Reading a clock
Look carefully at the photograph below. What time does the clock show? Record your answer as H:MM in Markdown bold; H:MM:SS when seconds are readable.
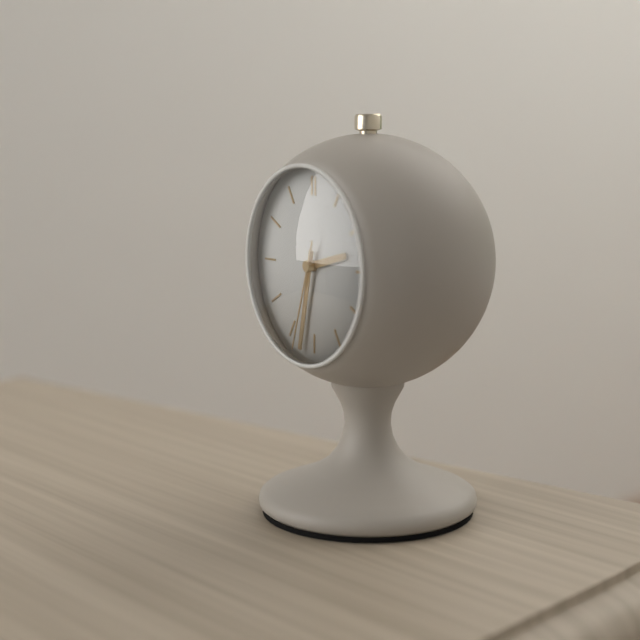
**2:32:33**
